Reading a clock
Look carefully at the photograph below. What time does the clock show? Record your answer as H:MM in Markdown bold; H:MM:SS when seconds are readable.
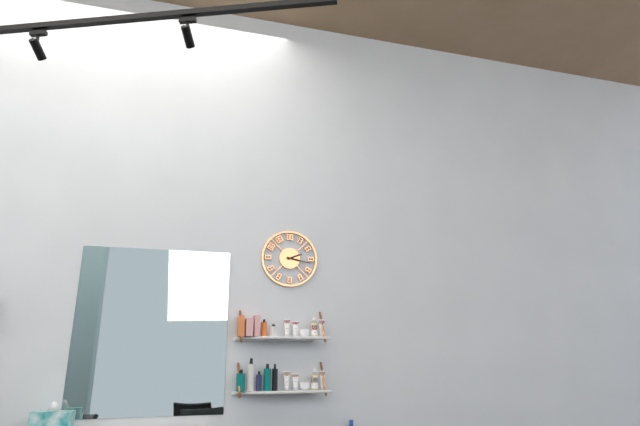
**2:17**
